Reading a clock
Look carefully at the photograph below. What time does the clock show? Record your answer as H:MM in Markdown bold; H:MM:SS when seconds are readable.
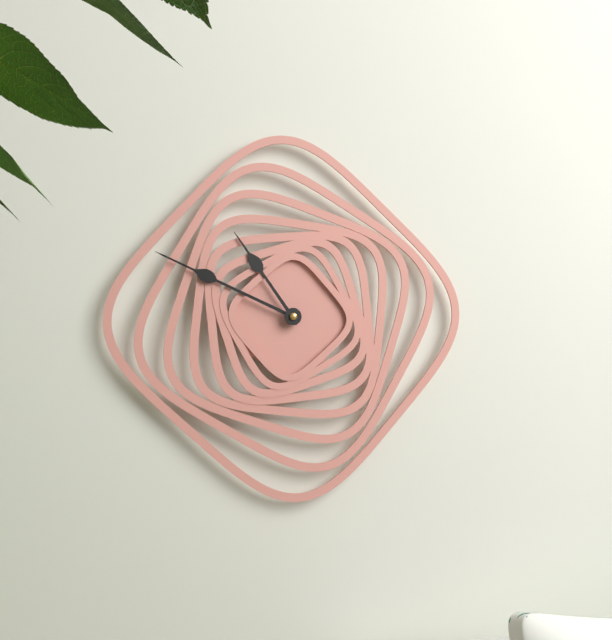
**10:49**
